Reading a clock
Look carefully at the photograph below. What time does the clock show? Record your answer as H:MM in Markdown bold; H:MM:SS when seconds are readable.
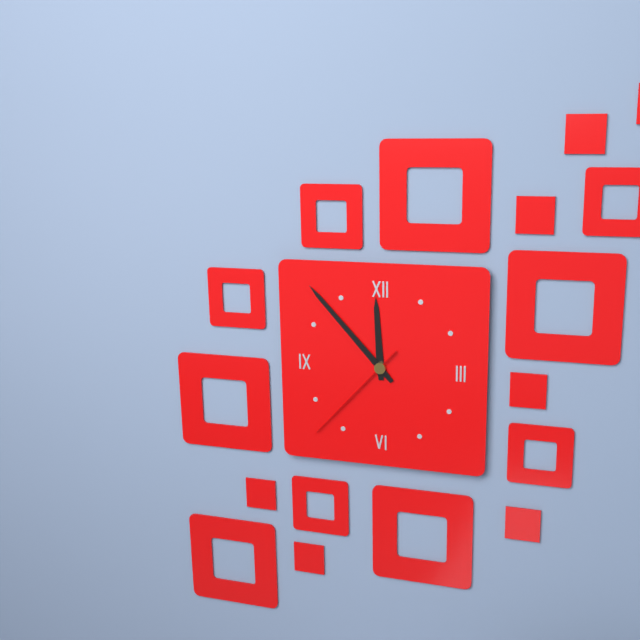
**11:53:37**
